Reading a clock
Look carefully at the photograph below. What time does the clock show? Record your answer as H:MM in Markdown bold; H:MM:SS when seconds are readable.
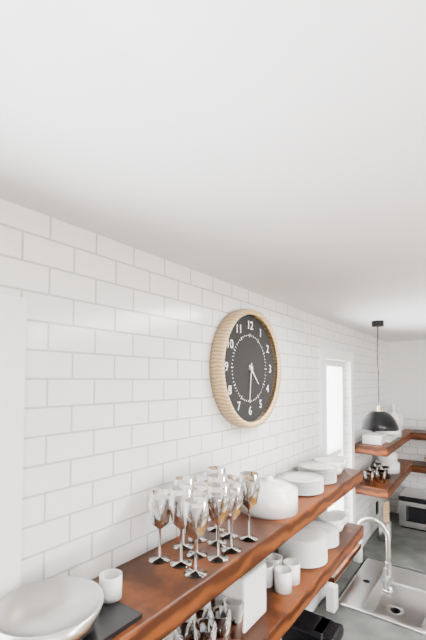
**4:31**
